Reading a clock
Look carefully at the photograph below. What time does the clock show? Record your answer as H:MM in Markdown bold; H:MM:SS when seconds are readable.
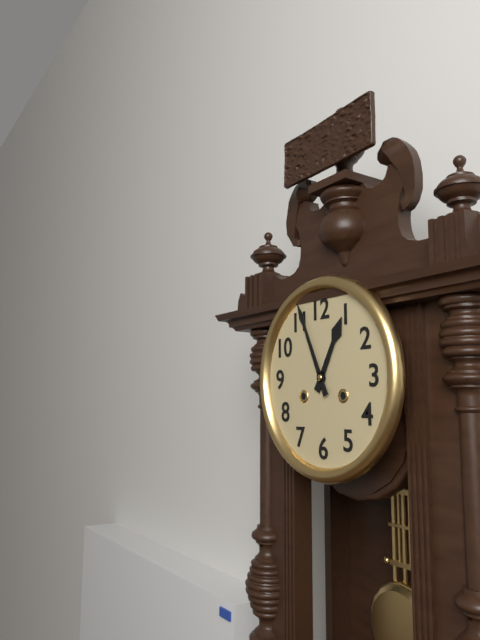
**12:56**
